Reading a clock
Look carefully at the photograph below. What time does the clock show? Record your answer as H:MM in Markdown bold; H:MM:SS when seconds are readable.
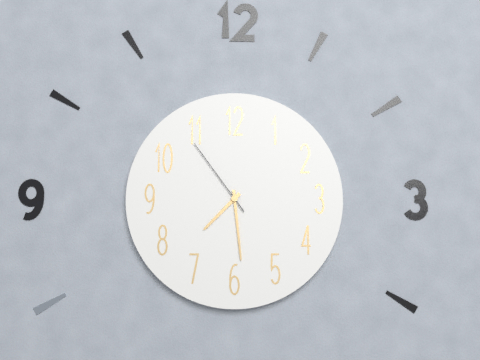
**7:29:54**
